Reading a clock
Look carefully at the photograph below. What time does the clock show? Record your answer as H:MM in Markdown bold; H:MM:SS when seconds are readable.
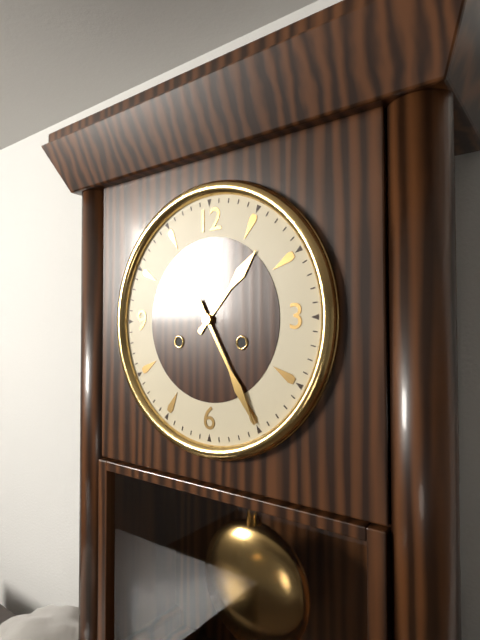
**1:25**
